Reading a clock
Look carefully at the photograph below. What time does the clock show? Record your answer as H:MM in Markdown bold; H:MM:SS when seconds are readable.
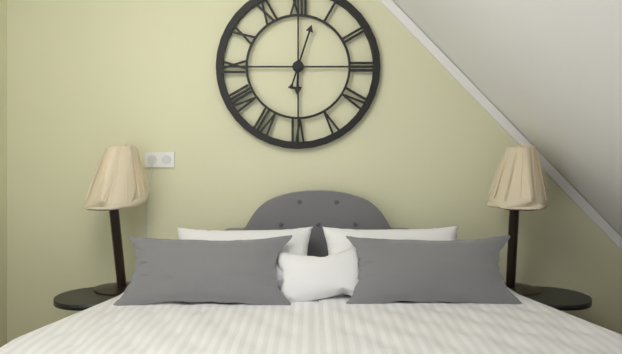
**6:03**
